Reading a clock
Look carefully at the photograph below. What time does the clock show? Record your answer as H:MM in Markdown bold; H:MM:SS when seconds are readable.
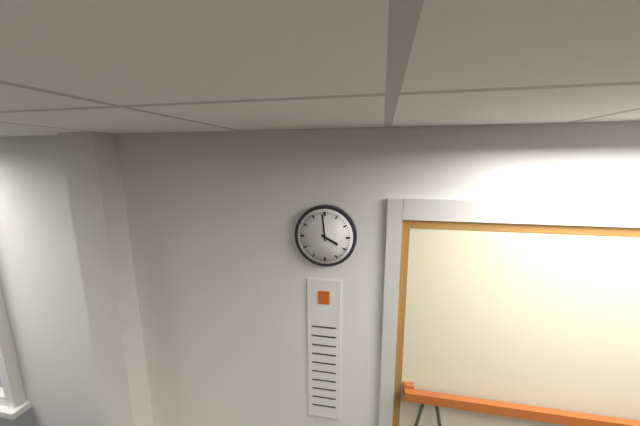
**3:59**
